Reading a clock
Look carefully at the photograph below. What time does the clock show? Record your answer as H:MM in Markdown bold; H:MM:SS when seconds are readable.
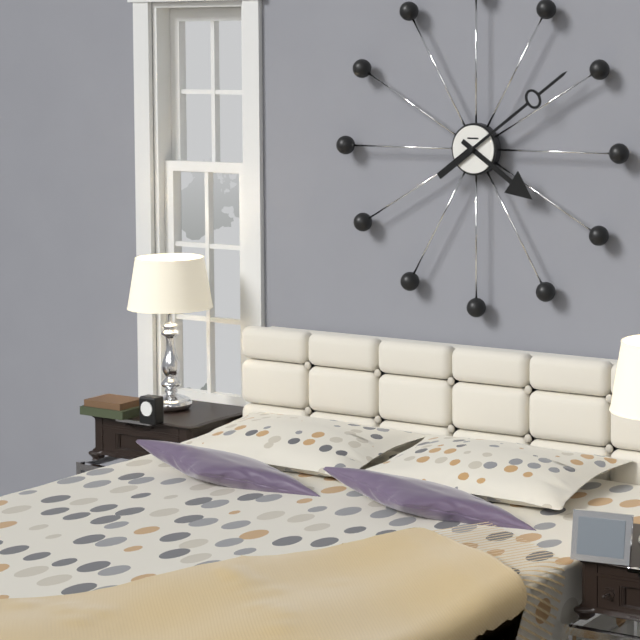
**4:09**
